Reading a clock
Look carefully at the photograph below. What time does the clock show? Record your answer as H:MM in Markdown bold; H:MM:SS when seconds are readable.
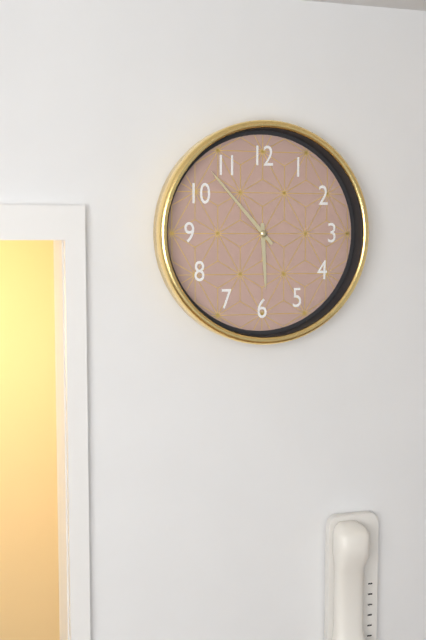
**5:53**
